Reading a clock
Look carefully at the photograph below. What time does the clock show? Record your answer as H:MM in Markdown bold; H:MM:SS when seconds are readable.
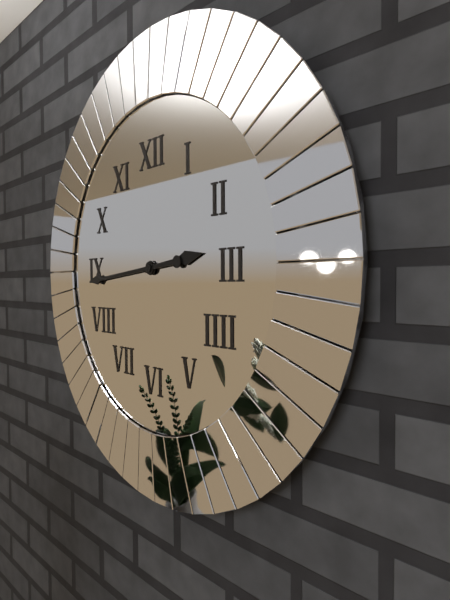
**2:44**
